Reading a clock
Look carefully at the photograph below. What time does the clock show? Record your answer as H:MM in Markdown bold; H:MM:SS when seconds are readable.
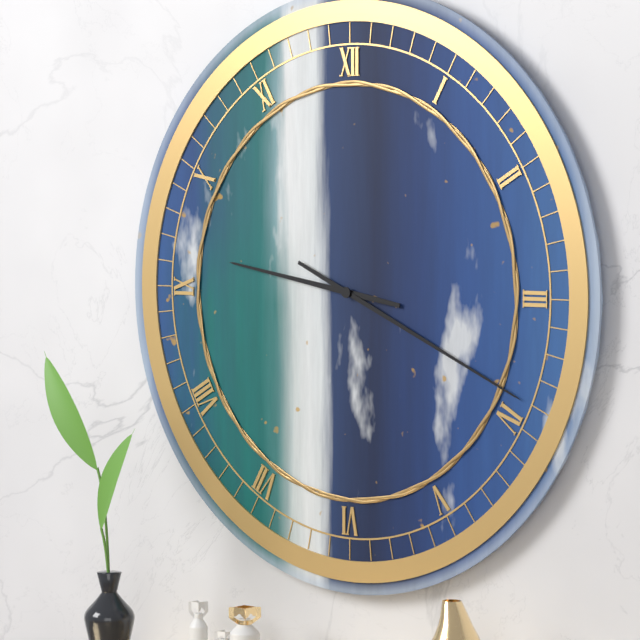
**9:19**
